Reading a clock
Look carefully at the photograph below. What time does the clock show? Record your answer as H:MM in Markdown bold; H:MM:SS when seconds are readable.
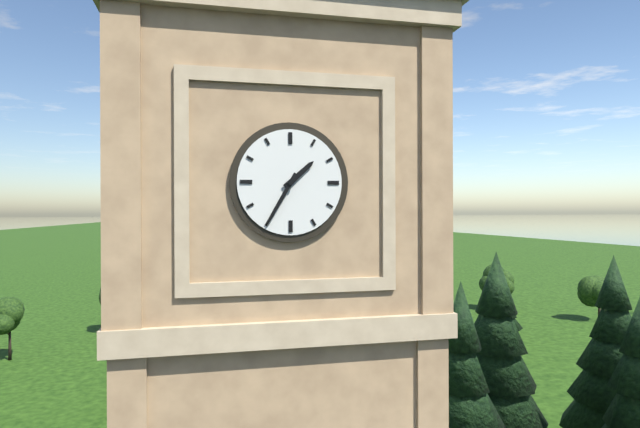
**1:35**
